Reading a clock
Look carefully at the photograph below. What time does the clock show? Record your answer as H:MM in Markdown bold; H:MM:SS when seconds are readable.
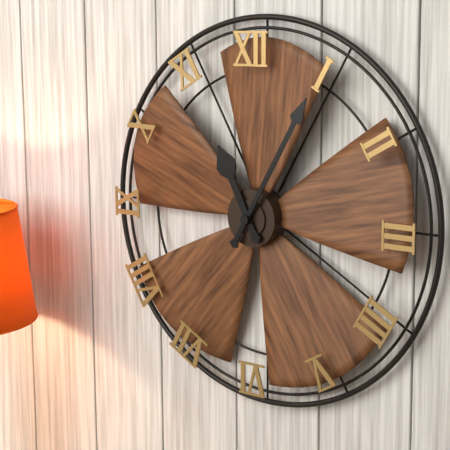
**11:05**
